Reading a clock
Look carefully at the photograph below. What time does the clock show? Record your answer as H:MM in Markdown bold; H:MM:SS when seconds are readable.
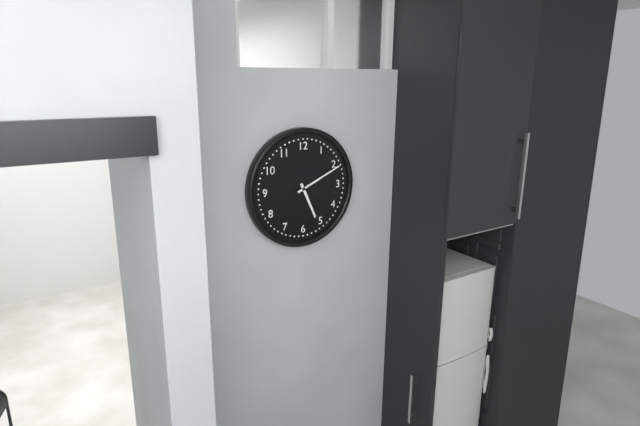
**5:11**
